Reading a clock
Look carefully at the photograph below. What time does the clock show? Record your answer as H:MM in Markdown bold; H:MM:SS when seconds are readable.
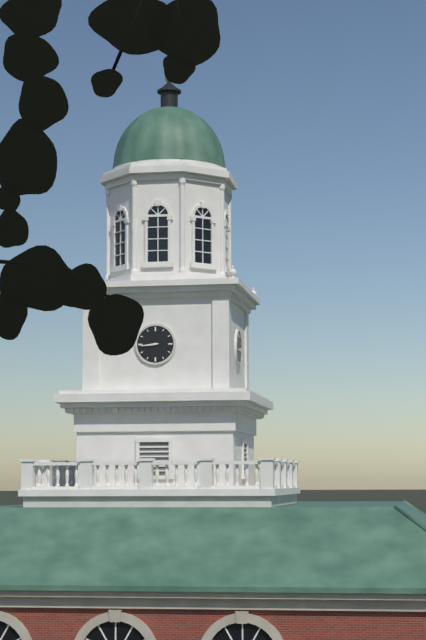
**8:44**
